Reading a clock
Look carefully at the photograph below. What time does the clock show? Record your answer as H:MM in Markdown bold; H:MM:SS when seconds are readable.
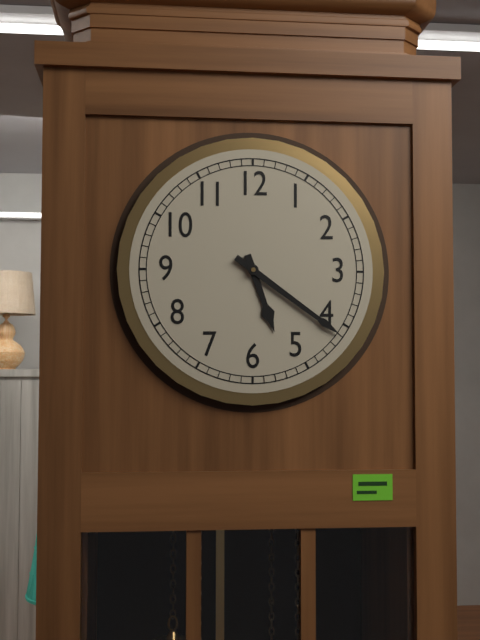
**5:21**
